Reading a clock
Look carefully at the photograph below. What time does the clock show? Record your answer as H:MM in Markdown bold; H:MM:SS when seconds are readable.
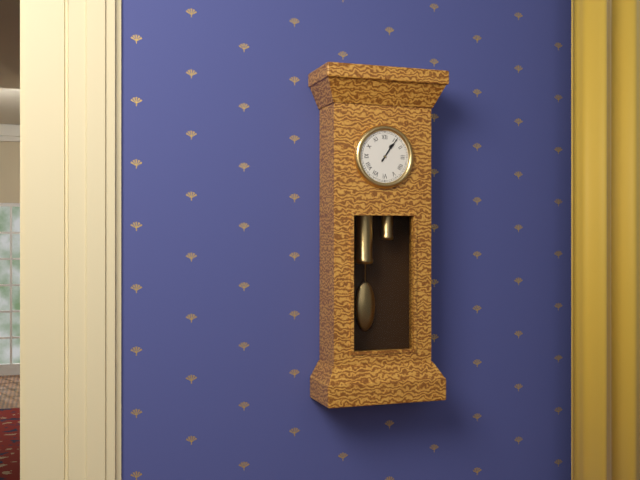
**1:06**
